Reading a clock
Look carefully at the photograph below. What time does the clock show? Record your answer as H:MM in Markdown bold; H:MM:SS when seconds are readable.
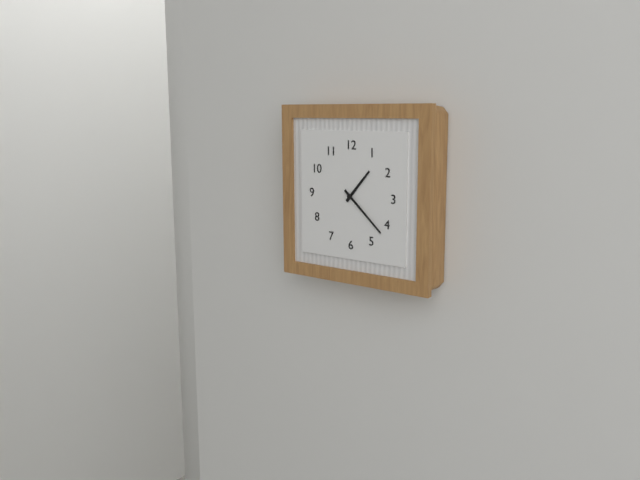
**1:22**
